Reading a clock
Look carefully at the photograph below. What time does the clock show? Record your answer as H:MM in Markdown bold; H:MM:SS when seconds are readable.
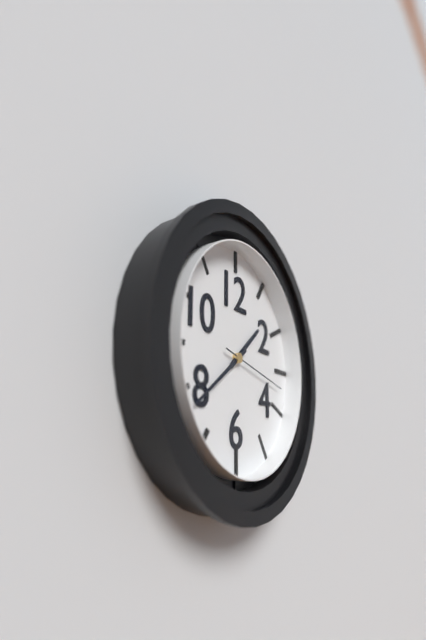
**1:39:17**
